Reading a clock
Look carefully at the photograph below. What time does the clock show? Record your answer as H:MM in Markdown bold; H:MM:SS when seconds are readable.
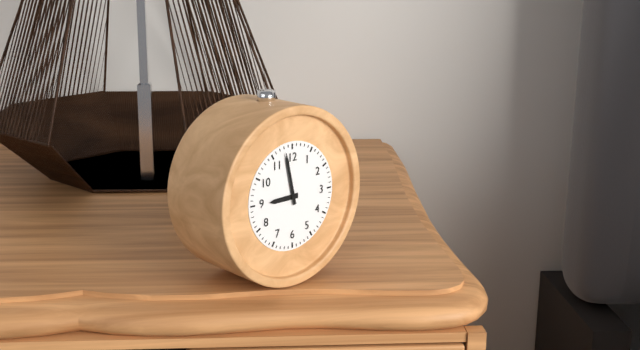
**8:58**
